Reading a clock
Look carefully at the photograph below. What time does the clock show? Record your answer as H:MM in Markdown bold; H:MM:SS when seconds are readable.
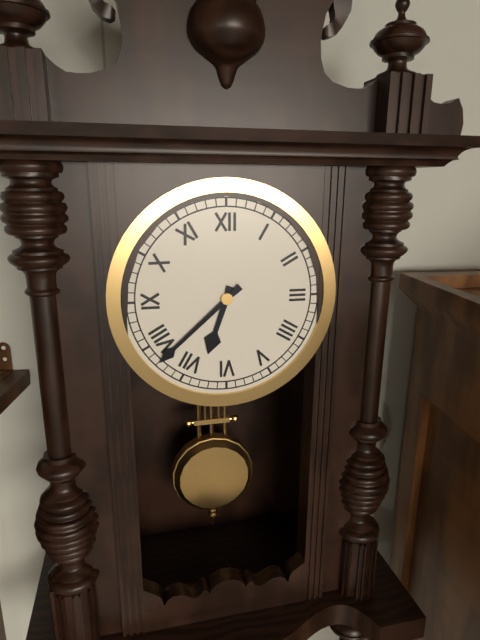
**6:38**
